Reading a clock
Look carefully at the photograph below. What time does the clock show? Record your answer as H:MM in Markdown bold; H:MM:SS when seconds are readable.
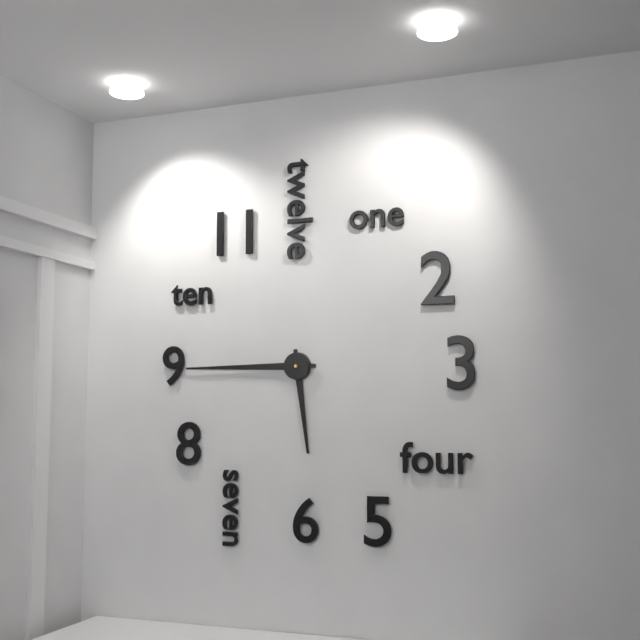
**5:45**
